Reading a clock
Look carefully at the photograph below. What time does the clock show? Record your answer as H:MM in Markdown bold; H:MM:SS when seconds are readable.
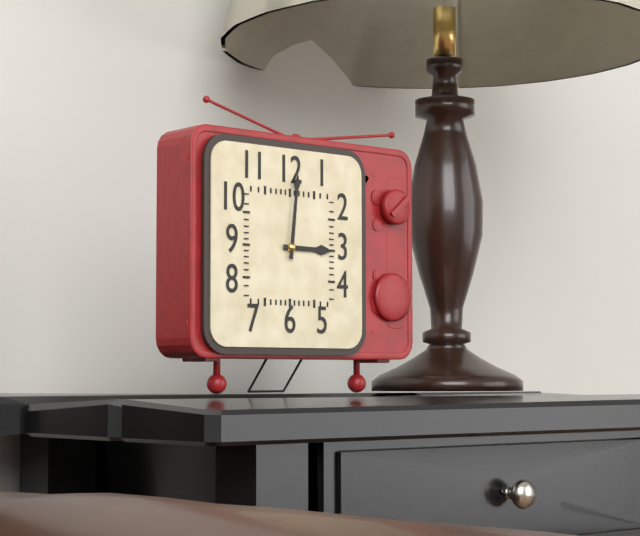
**3:01**
